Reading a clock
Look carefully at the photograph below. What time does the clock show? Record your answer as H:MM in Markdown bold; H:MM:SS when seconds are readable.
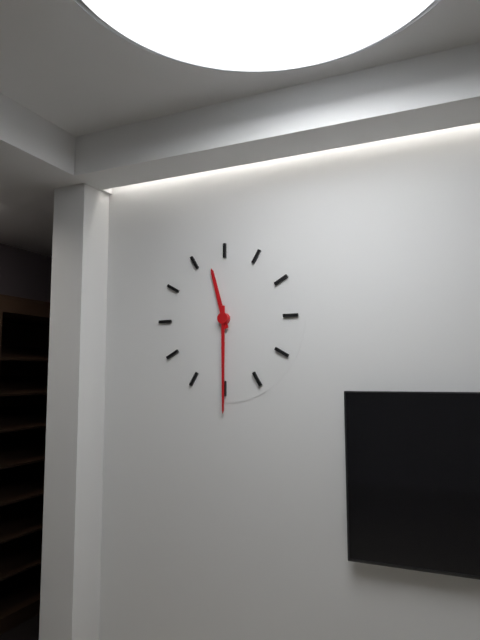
**11:30**
